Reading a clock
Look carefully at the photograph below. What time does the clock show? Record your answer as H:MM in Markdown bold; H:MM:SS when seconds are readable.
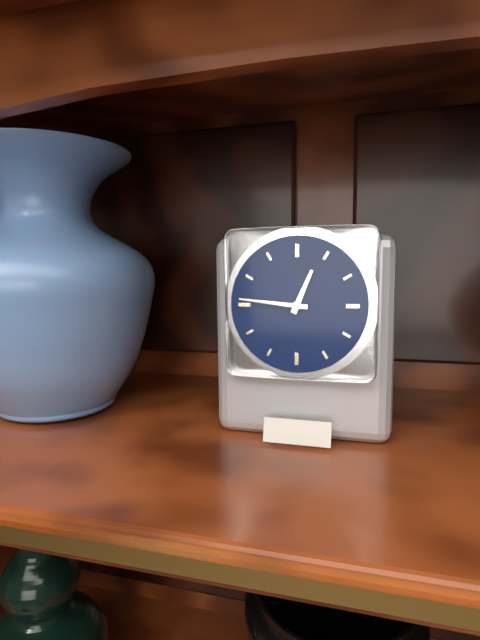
**12:46**
